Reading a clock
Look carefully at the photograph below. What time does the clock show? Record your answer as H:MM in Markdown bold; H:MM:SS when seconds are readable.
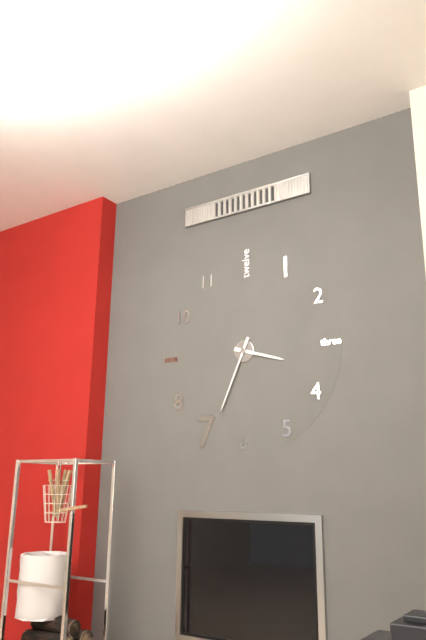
**3:34**
